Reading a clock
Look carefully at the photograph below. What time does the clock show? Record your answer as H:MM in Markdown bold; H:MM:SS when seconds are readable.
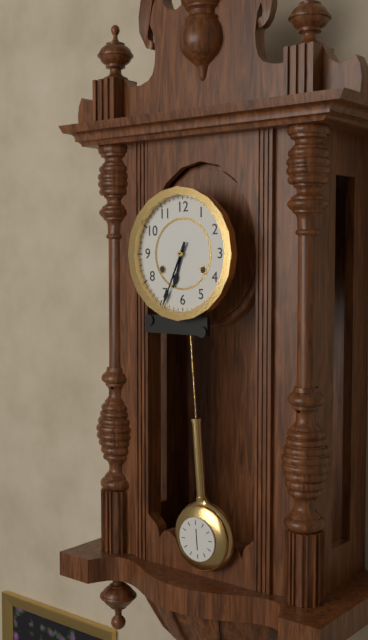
**6:34**
